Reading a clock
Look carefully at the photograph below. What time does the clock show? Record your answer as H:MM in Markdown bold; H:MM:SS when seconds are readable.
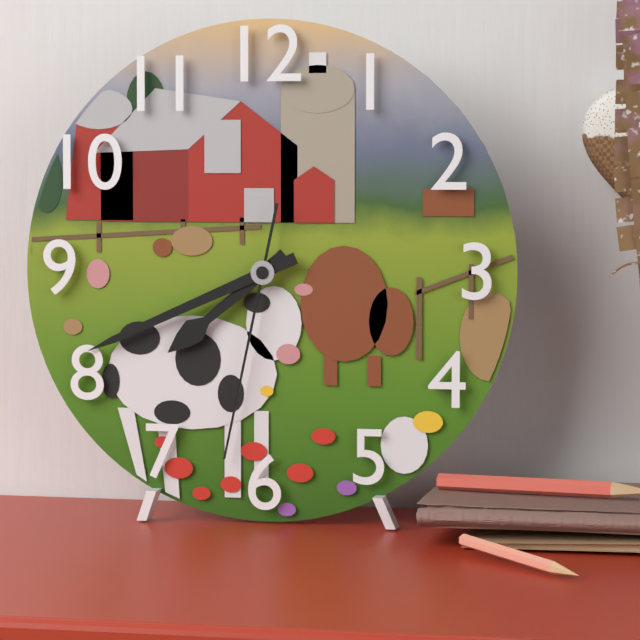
**7:41:32**
